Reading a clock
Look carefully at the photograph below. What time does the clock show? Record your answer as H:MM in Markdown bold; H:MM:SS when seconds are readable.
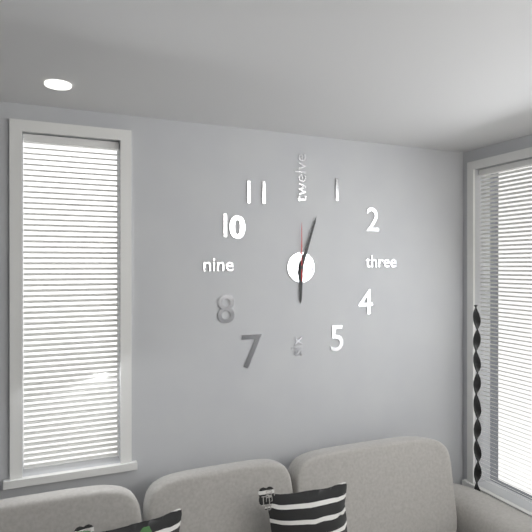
**6:03:00**
